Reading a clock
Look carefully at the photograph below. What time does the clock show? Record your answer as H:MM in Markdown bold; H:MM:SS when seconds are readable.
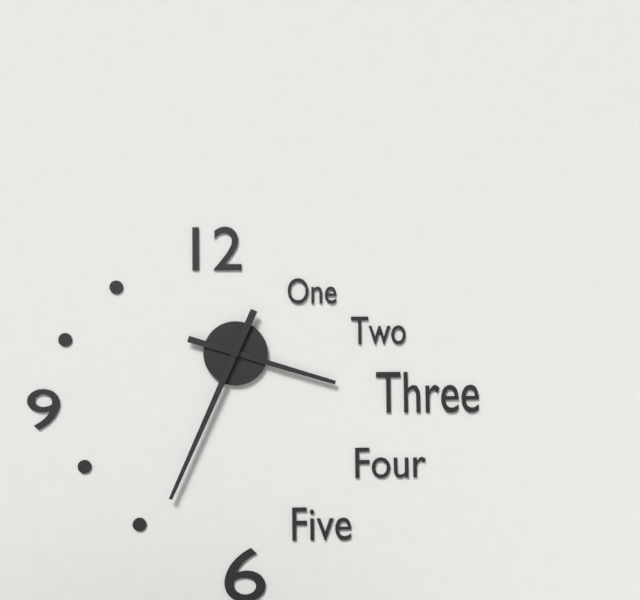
**3:34**
